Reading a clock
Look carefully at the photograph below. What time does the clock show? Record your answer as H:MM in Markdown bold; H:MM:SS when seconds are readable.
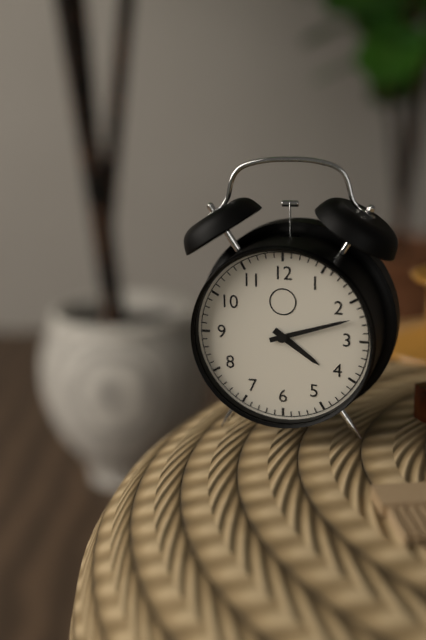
**4:12**
